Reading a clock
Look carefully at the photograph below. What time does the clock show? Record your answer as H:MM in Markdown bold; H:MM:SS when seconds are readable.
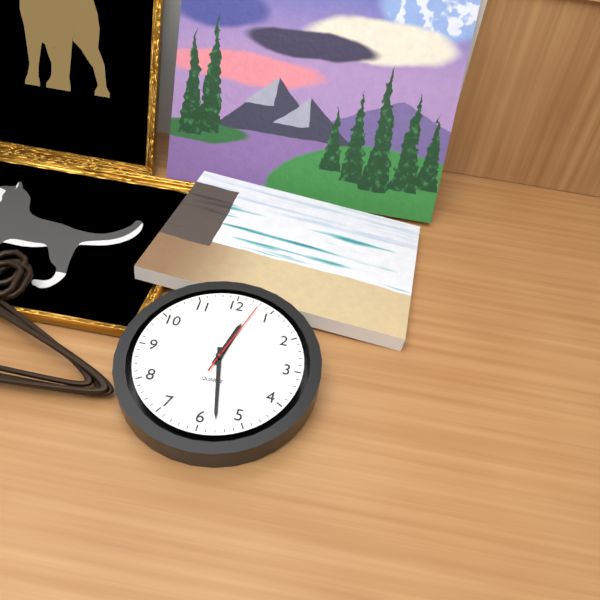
**12:28:03**
